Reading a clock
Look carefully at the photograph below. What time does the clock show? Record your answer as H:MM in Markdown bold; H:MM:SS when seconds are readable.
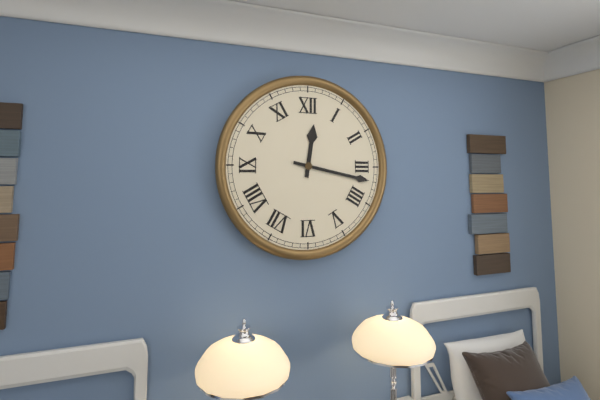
**12:17**
